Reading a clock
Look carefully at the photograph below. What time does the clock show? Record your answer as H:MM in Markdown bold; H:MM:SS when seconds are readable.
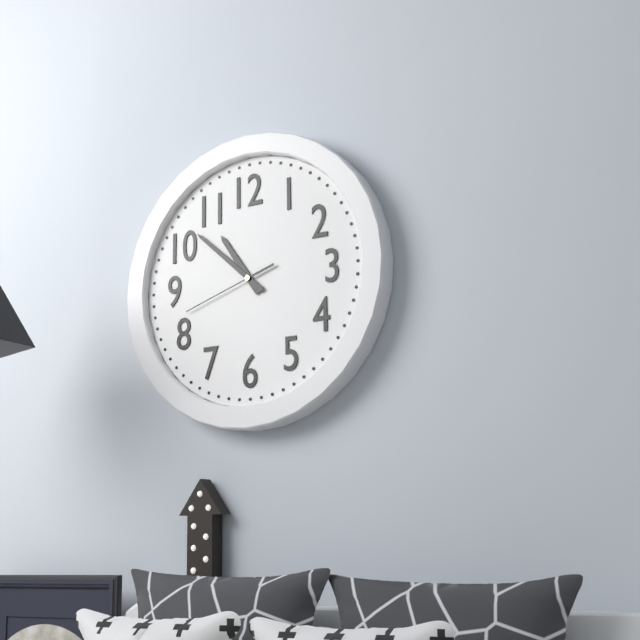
**10:52:42**
